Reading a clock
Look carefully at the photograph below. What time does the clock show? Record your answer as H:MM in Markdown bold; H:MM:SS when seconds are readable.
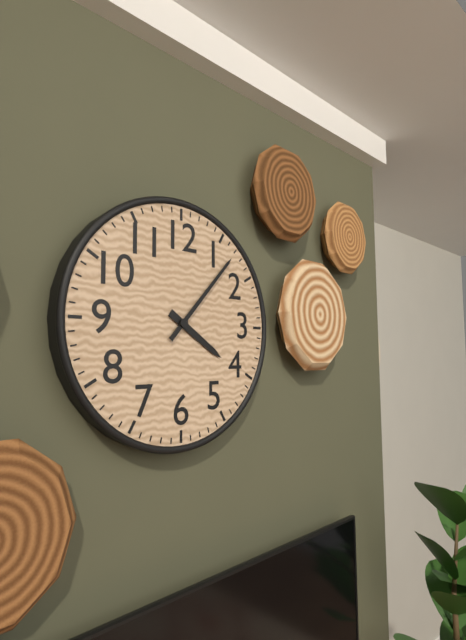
**4:07**
